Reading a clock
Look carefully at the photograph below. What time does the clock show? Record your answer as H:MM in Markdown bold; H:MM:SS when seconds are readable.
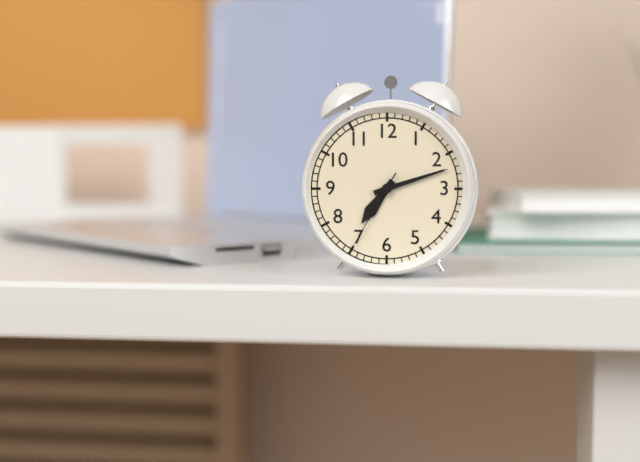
**7:12:35**
